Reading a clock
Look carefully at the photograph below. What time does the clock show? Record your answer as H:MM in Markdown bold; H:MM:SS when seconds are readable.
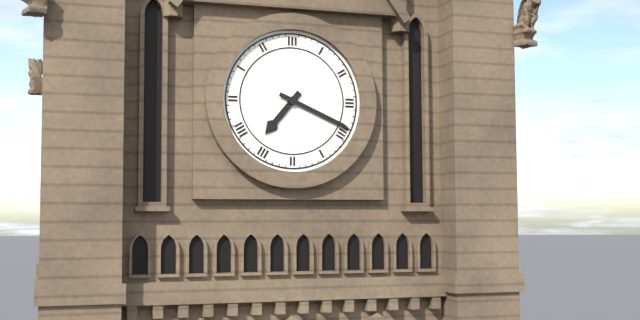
**7:19**
